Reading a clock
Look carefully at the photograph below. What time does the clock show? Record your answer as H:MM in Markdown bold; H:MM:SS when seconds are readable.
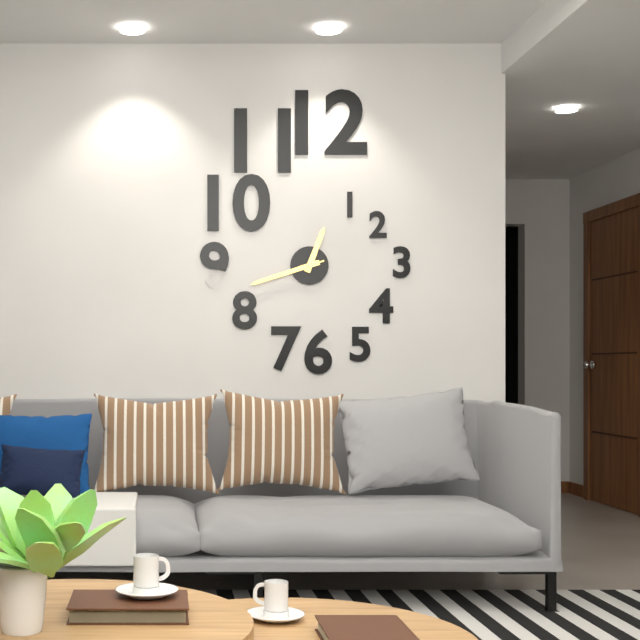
**12:42:42**
